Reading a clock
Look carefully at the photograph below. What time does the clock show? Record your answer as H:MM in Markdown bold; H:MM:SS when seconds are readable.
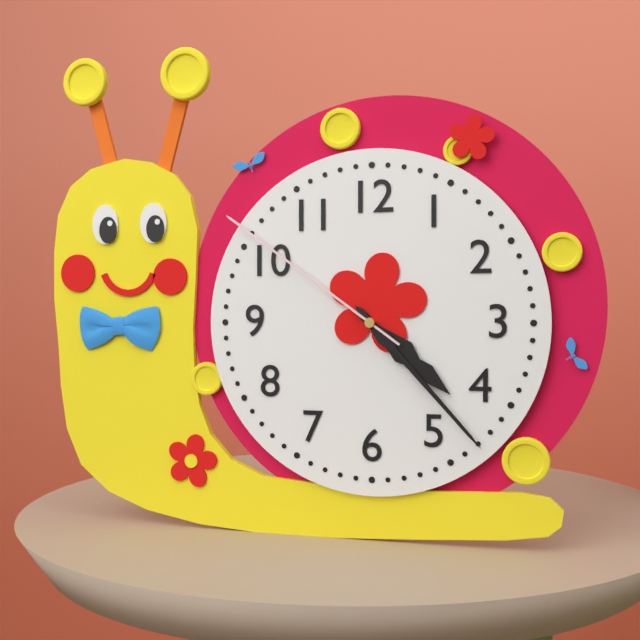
**4:23:51**
